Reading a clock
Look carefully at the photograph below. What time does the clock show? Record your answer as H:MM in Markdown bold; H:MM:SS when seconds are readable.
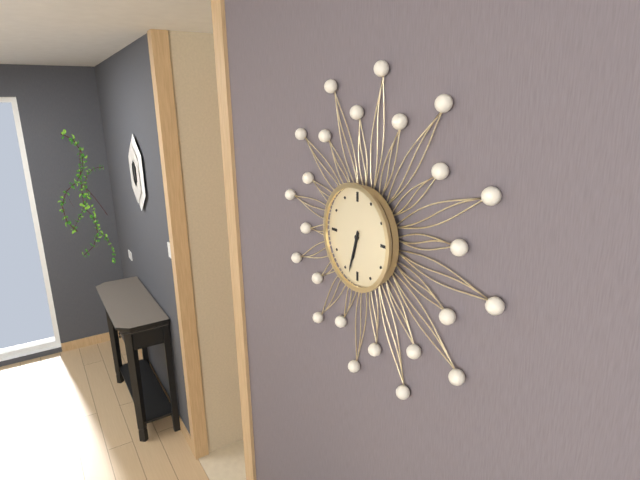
**6:33**
